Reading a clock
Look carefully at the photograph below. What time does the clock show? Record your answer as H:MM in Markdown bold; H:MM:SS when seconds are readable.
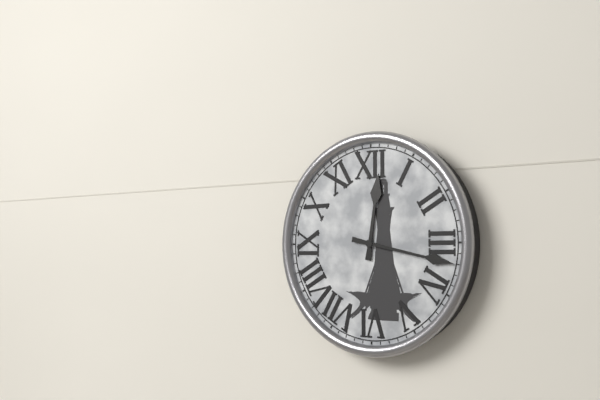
**12:17**
